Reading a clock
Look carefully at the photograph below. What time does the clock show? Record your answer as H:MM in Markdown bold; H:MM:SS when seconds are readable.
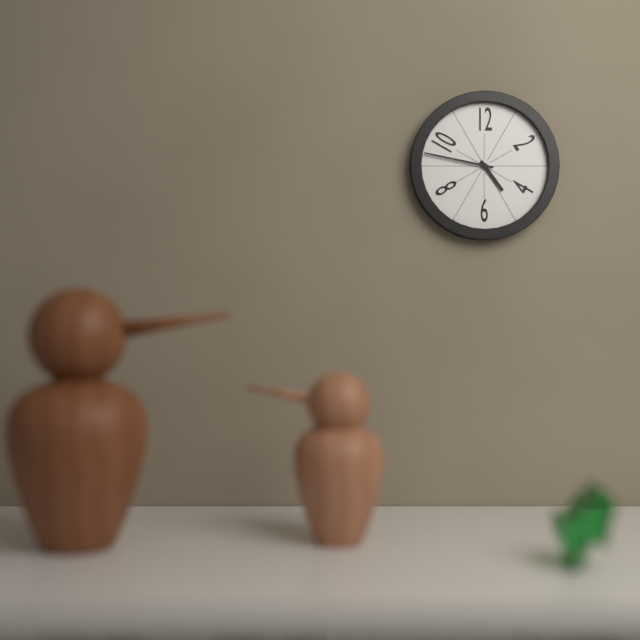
**4:47**
